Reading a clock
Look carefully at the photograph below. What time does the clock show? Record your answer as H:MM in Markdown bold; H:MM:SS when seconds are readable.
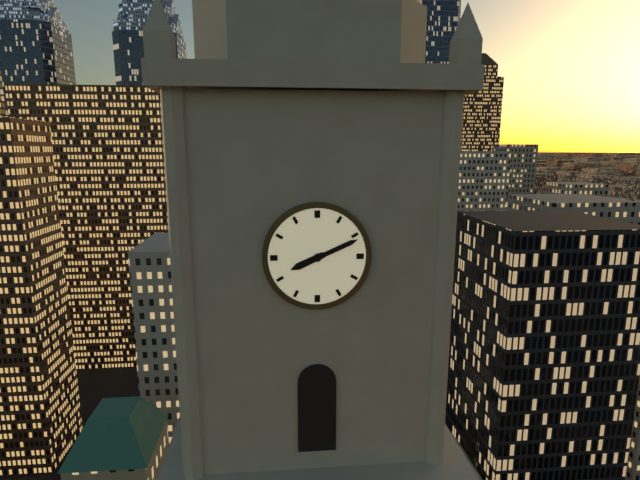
**8:11**
